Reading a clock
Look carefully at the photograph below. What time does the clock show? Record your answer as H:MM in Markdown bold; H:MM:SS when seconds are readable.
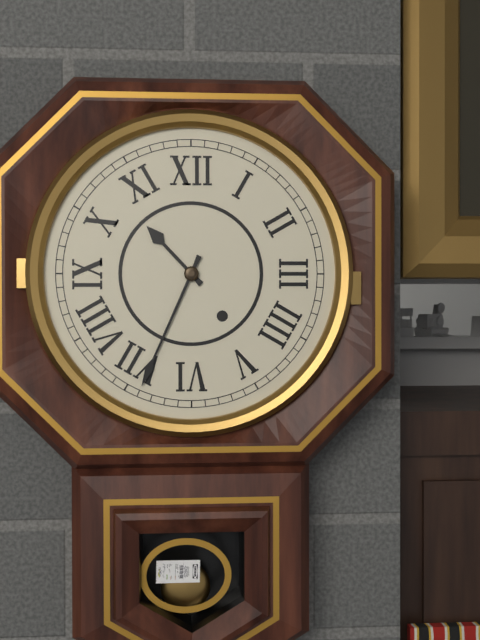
**10:34**
